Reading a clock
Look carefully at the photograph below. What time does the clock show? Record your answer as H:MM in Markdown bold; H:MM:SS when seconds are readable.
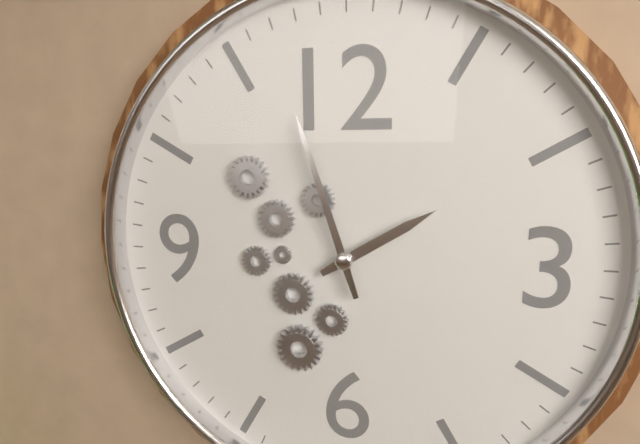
**1:57**
